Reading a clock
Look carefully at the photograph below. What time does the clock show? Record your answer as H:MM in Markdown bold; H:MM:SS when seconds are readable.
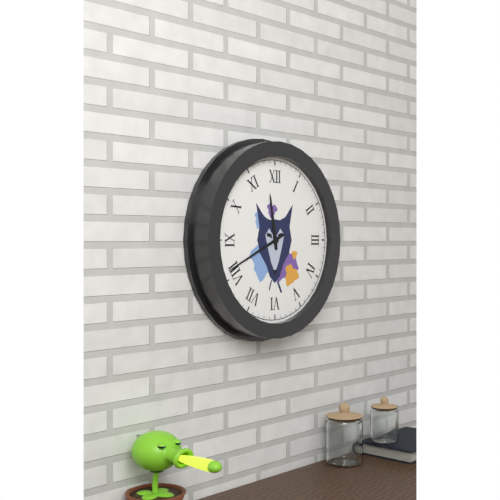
**11:41**
